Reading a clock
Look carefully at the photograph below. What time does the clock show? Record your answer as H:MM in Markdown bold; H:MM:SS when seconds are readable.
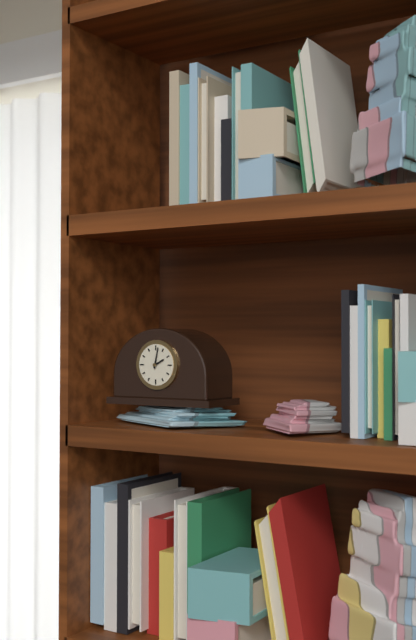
**2:02**
